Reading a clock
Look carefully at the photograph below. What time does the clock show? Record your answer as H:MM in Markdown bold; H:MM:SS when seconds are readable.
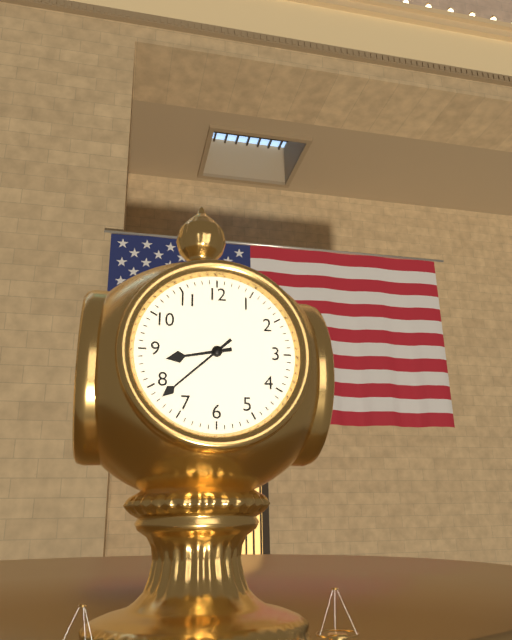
**8:38**
